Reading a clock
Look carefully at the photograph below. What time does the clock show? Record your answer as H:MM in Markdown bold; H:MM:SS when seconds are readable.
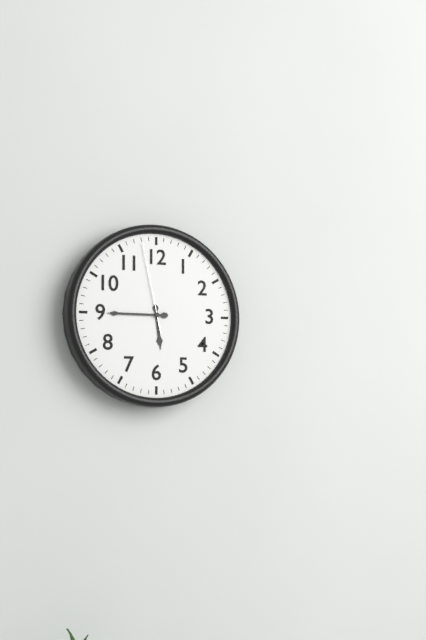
**5:45:58**
